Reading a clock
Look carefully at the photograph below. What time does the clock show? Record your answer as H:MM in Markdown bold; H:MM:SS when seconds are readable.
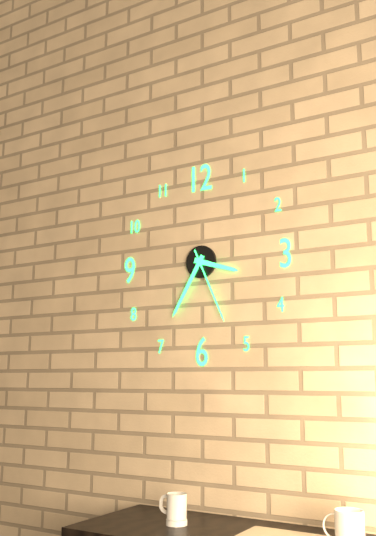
**3:35:26**
